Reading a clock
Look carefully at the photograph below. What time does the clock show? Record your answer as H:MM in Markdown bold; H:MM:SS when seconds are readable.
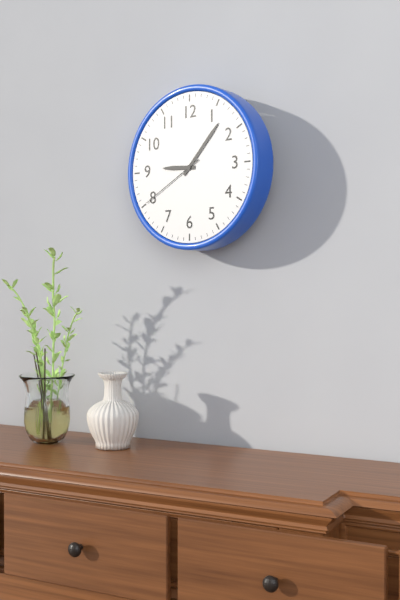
**9:07:40**
